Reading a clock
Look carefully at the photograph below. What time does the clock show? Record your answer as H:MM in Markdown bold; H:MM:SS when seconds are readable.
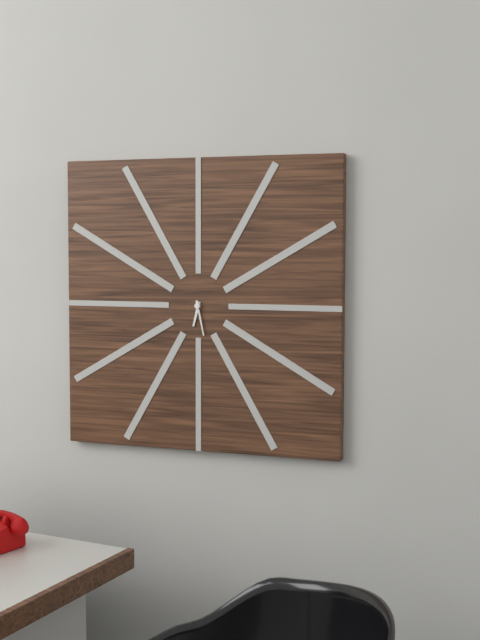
**6:28**
